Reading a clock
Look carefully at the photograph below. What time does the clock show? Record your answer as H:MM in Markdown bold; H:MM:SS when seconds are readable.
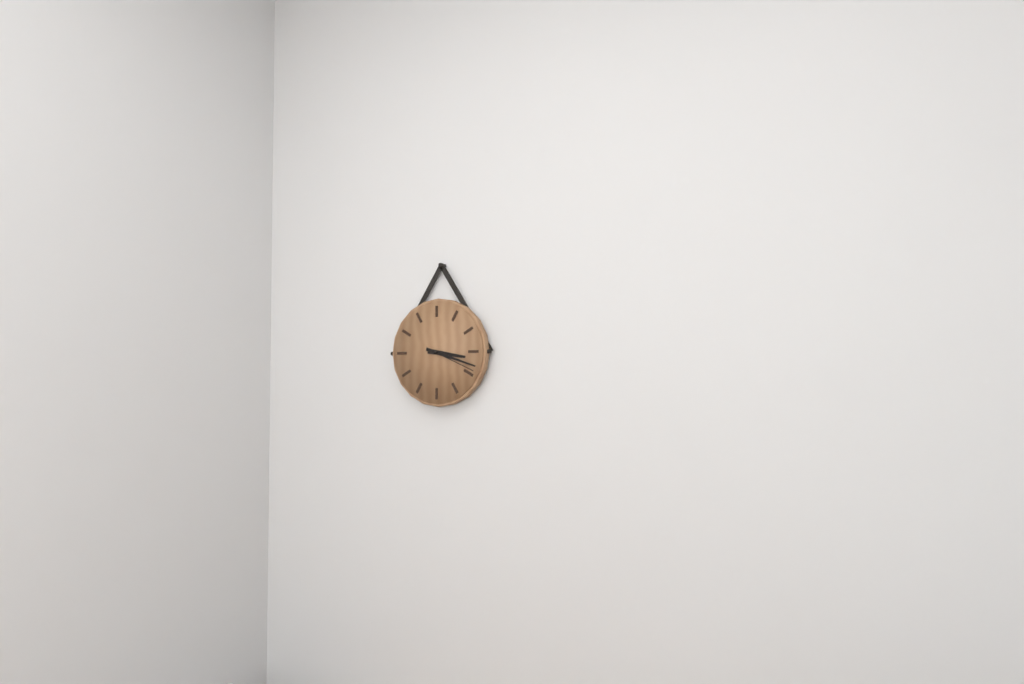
**3:18:19**
